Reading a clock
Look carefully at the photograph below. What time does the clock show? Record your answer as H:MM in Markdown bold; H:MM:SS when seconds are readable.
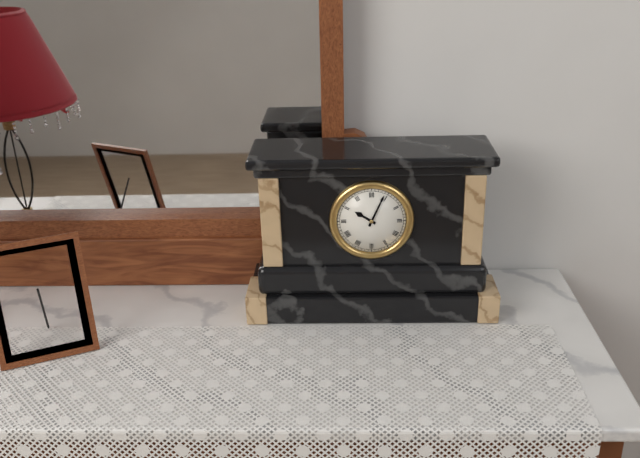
**10:04**
